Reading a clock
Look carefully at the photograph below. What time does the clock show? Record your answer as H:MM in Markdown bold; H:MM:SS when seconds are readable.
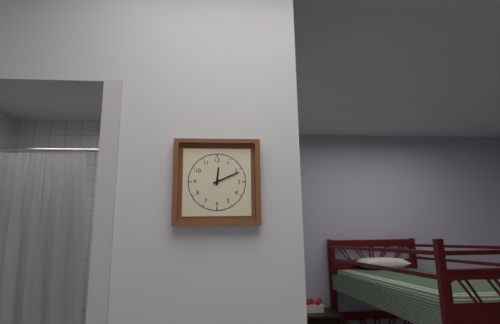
**12:11**
